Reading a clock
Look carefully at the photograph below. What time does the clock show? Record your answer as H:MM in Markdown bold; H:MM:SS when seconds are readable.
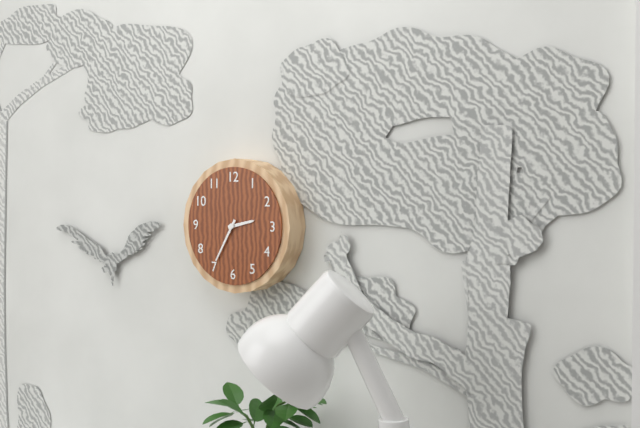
**2:35**
